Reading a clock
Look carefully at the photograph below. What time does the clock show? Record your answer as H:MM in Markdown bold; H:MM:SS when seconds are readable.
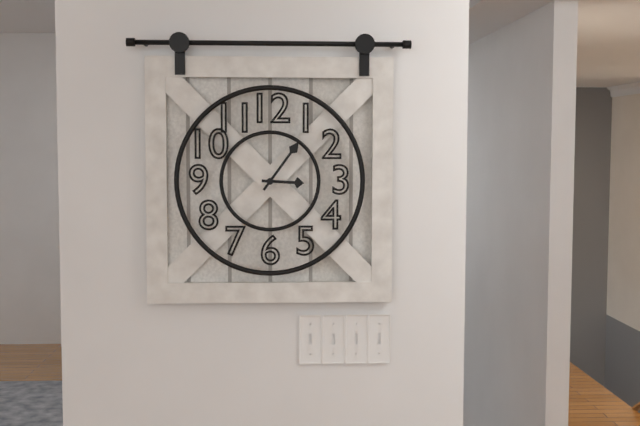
**3:06**
